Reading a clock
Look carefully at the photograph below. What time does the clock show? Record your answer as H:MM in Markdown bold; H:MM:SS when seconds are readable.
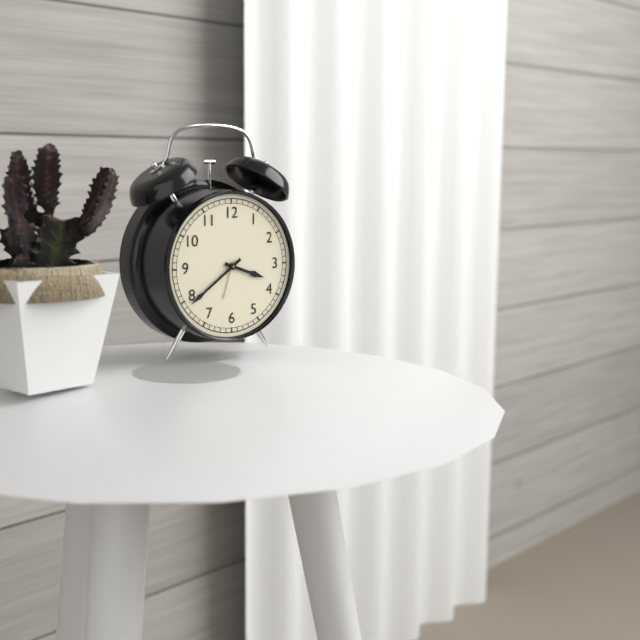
**3:39**
